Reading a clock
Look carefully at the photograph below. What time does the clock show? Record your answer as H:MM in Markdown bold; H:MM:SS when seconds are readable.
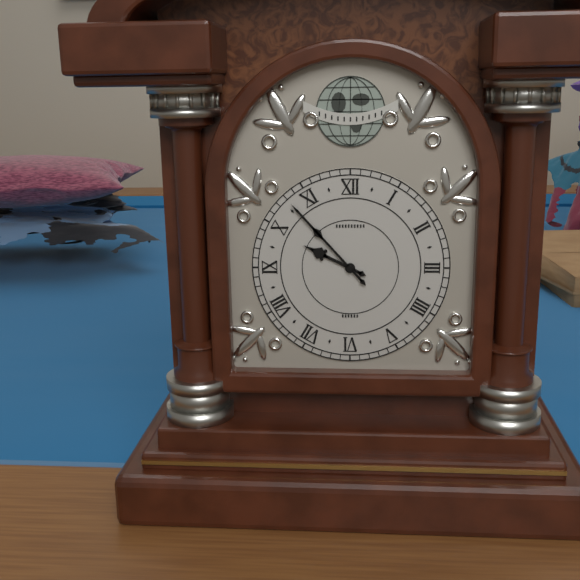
**9:53**
